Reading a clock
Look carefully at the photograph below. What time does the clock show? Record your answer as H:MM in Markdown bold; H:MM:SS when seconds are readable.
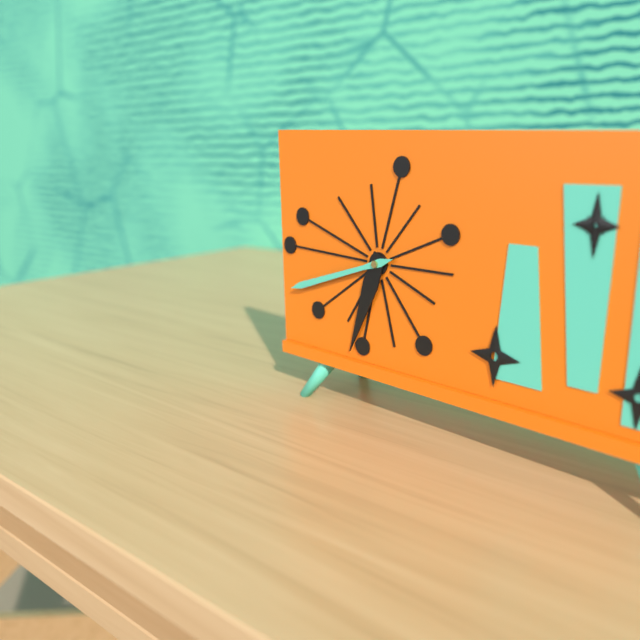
**6:42**
